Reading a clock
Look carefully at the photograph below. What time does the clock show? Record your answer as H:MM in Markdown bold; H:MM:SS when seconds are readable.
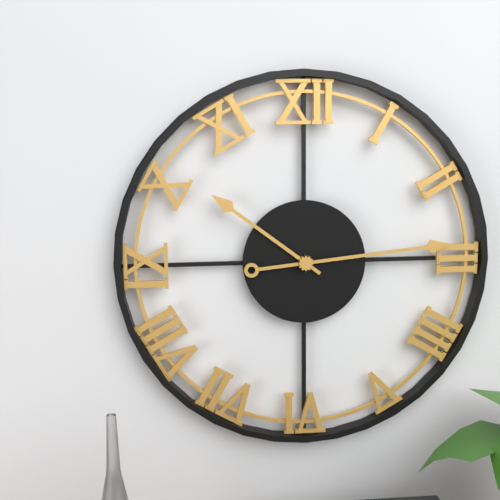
**10:14**
